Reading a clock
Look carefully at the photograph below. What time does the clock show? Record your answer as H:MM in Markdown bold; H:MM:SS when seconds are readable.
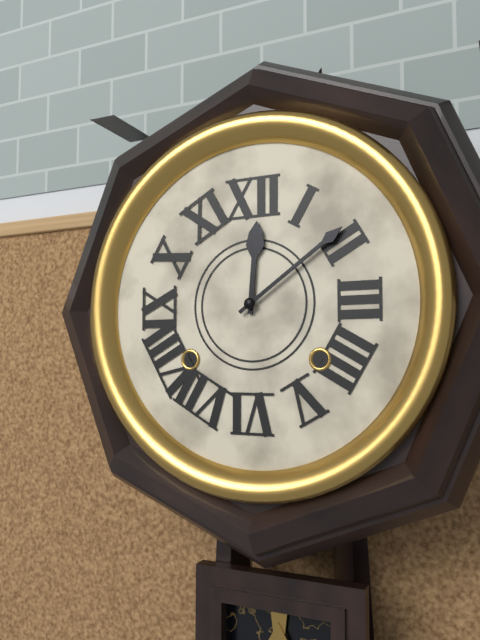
**12:09**
